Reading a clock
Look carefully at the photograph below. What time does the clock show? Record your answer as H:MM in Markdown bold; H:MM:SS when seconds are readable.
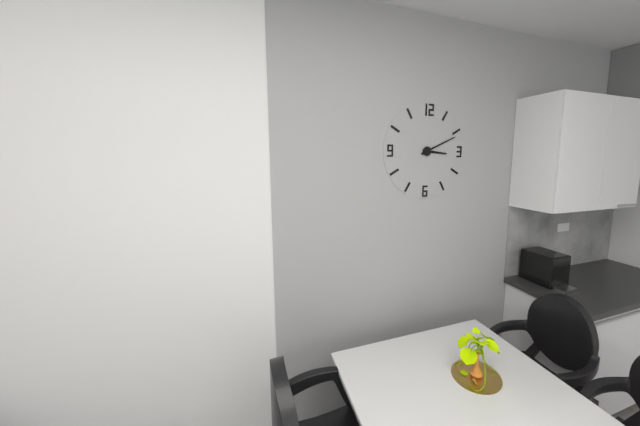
**3:11**
